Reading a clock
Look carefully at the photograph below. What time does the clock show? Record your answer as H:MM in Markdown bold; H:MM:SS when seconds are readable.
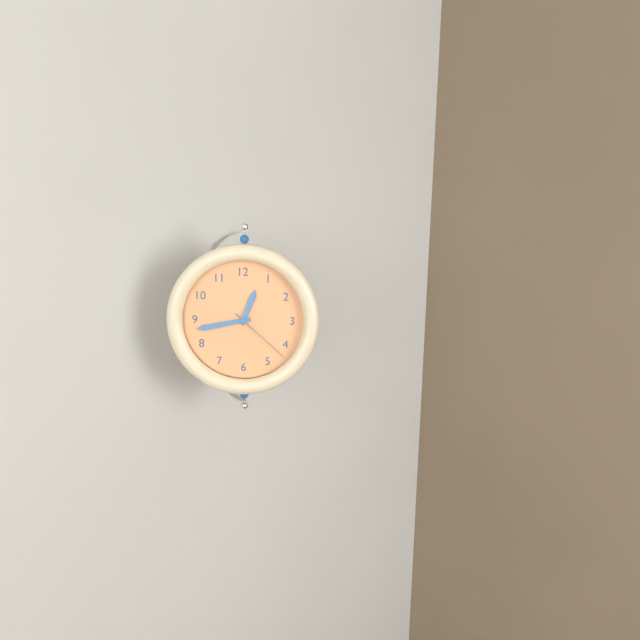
**12:43:22**
